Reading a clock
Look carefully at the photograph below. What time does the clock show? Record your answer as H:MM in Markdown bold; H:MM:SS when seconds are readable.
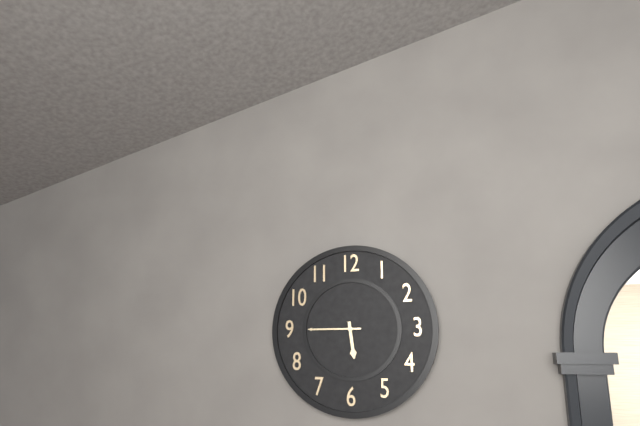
**5:45**
